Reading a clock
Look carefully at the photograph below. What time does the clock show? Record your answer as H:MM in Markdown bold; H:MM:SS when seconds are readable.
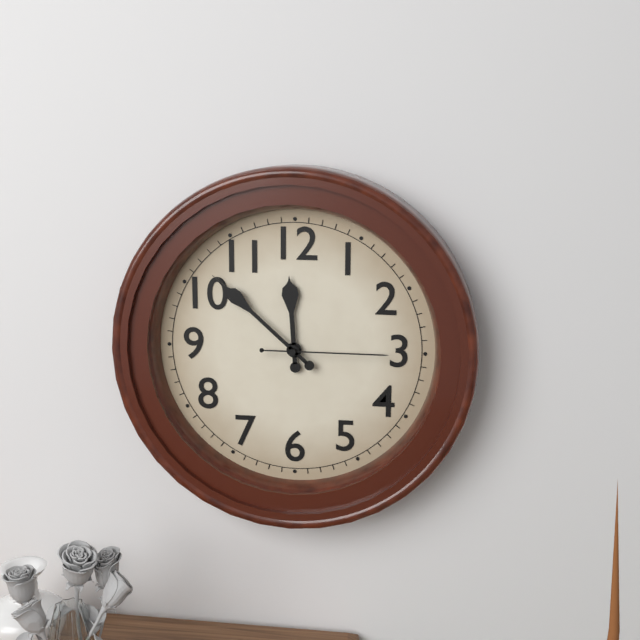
**11:52:15**
